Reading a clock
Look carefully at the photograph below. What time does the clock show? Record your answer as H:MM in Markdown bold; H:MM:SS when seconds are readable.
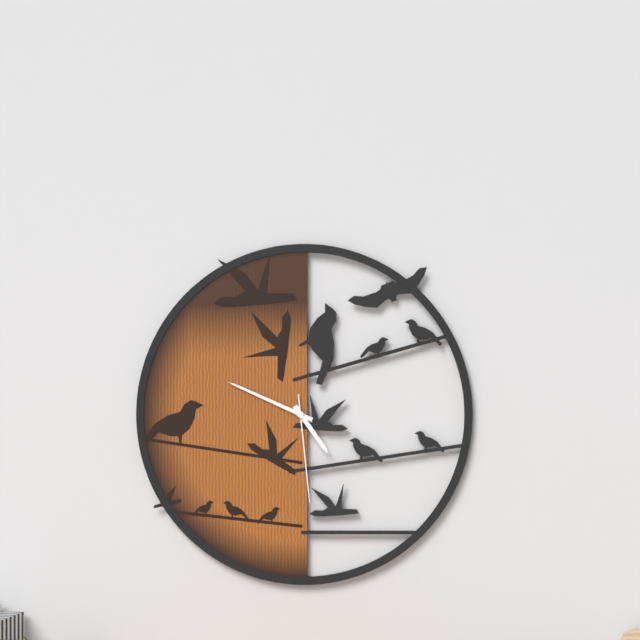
**4:49:29**
